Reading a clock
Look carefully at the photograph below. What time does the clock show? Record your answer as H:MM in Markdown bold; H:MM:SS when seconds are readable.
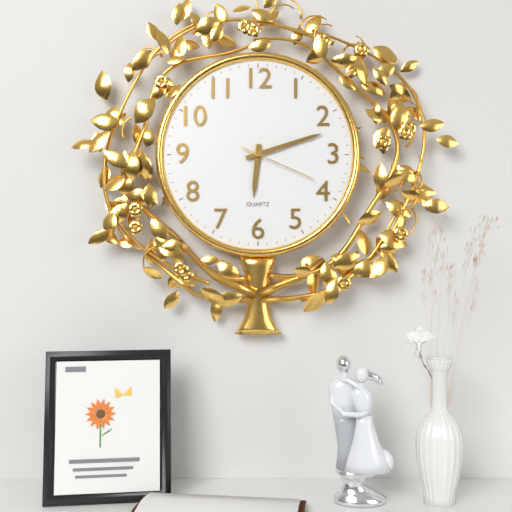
**6:12:19**
